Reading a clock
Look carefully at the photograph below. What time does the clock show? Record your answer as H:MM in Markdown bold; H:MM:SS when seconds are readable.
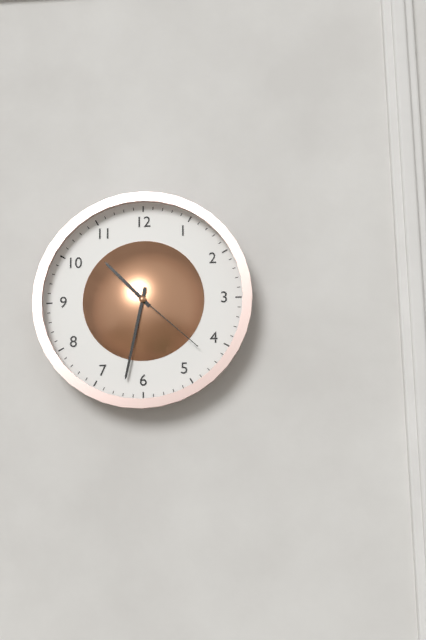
**10:32:22**
